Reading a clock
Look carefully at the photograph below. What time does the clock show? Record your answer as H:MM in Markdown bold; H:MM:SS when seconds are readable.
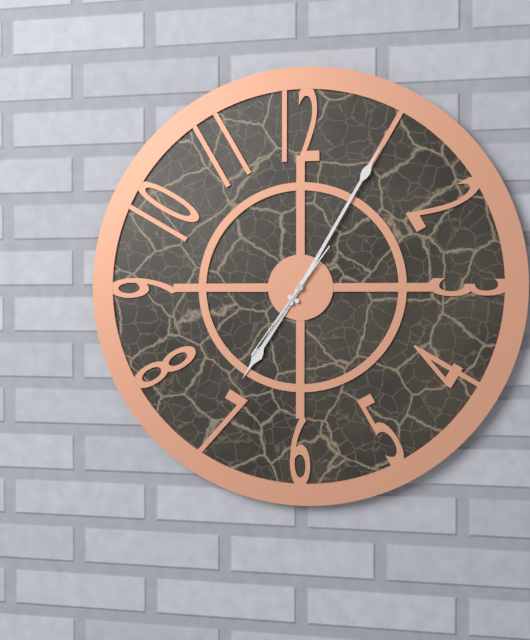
**7:05:36**
